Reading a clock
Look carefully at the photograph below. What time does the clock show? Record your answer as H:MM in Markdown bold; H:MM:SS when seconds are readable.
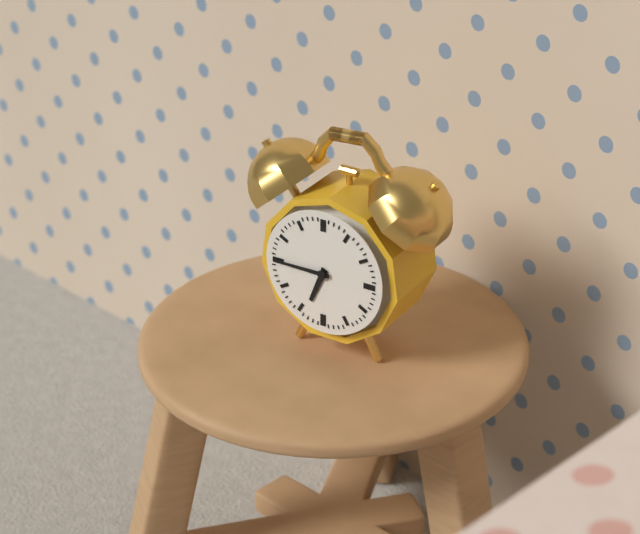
**6:45**
